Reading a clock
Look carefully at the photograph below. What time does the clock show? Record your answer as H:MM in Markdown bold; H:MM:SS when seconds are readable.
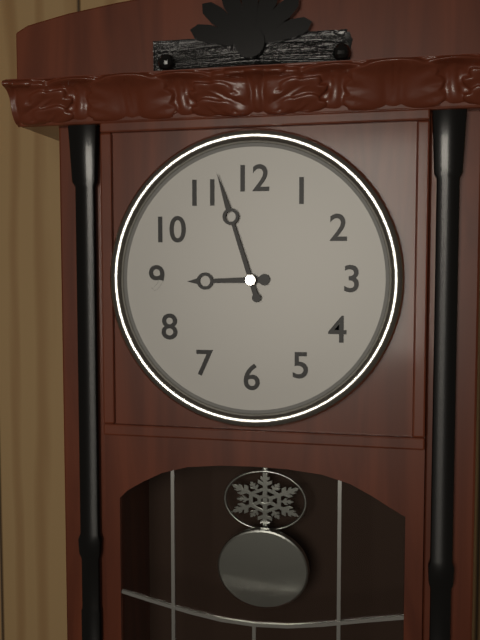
**8:57**
